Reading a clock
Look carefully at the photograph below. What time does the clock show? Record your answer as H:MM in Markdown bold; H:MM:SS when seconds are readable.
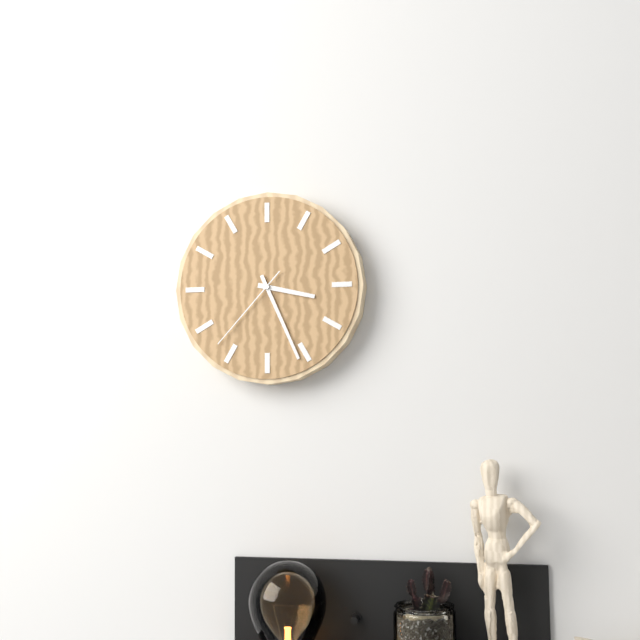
**3:26:37**
